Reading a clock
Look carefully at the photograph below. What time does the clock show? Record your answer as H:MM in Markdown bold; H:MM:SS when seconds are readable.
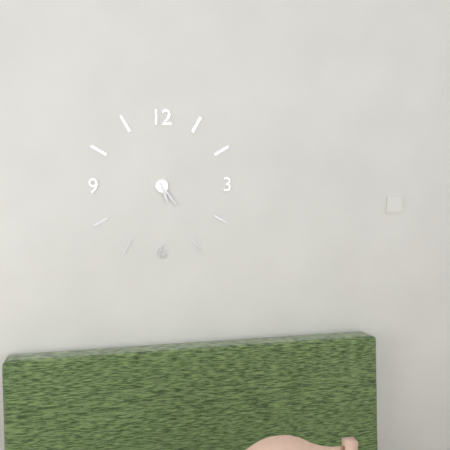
**5:24**
